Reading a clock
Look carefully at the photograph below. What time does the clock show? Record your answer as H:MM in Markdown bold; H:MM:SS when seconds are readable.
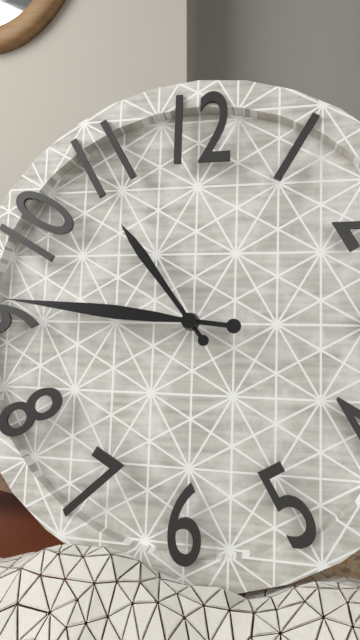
**10:46**
